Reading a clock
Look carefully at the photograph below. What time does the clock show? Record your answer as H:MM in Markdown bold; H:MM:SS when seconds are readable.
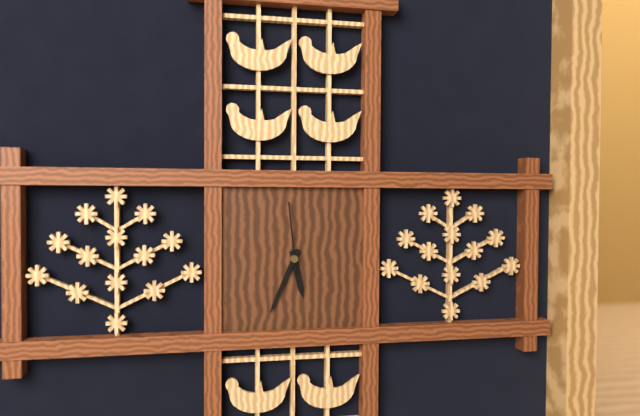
**5:34:59**
